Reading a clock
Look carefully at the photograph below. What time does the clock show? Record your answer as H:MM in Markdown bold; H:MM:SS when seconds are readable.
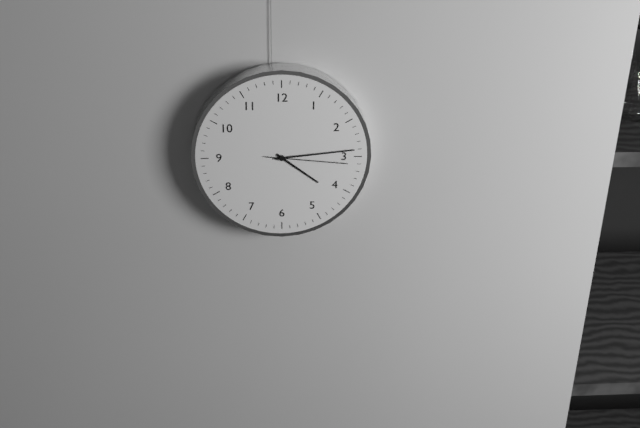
**4:14:16**
